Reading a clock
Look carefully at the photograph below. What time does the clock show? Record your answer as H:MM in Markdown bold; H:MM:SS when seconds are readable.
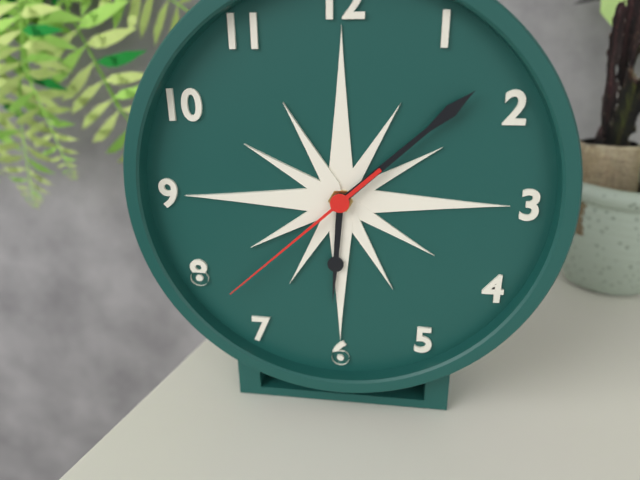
**6:08:38**
